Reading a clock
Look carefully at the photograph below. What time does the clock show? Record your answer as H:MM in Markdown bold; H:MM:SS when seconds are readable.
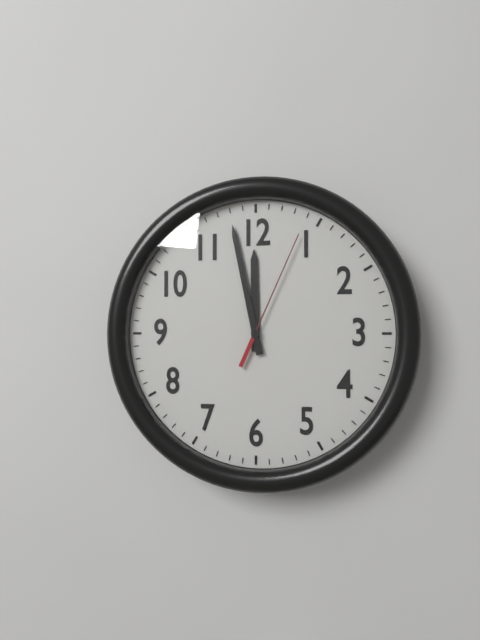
**11:58:04**
